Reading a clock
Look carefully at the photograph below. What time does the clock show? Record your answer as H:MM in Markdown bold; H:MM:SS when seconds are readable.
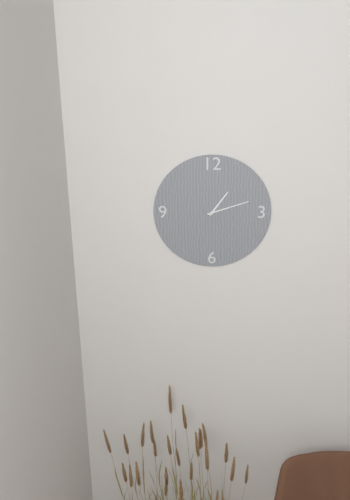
**1:12**
